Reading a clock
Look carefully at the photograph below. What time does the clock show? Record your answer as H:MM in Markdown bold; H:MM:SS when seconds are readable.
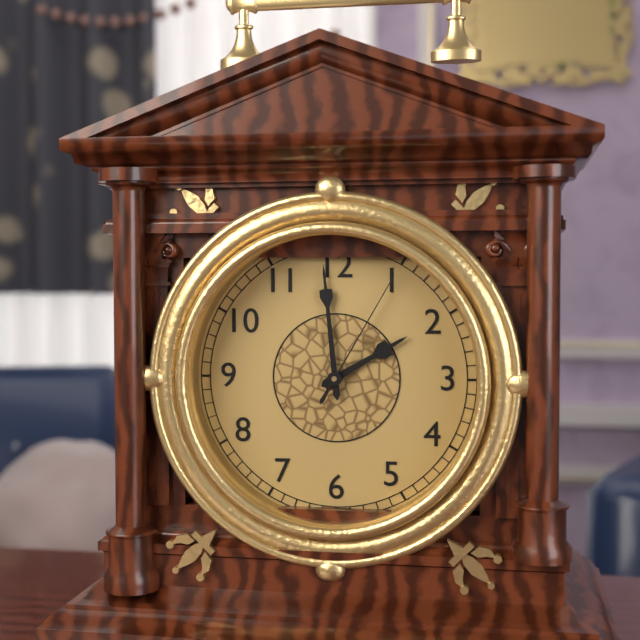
**1:59:05**
